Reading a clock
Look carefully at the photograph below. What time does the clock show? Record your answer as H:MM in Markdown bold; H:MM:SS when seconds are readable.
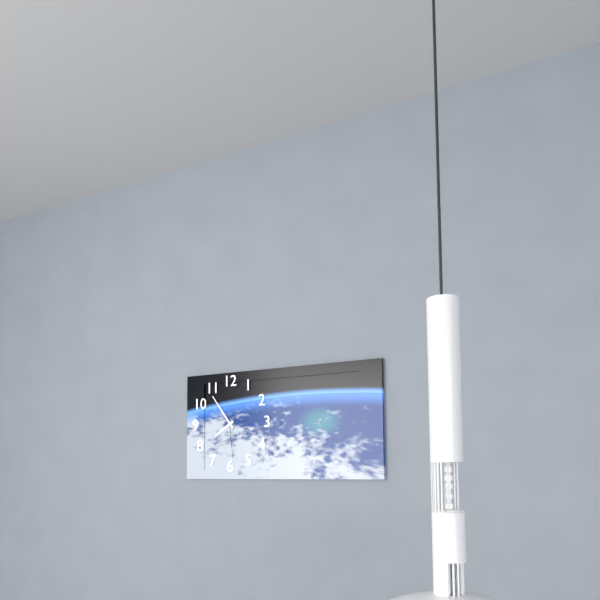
**7:54**
